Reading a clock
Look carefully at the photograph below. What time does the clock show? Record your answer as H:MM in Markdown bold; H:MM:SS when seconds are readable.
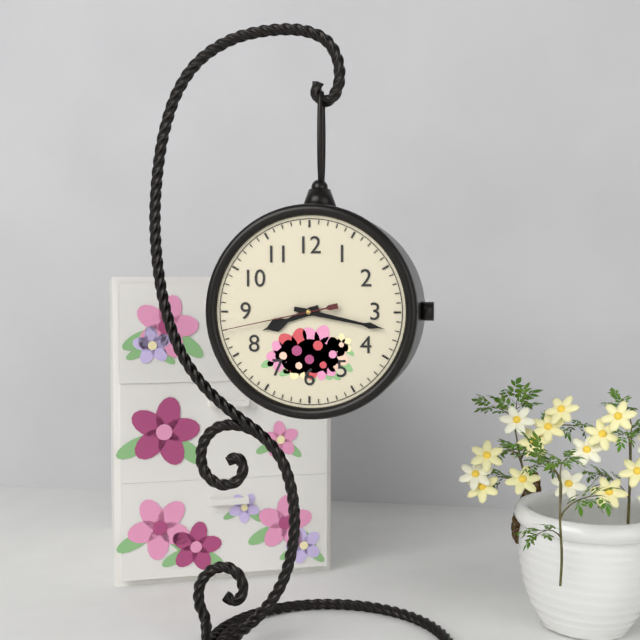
**8:17:43**
